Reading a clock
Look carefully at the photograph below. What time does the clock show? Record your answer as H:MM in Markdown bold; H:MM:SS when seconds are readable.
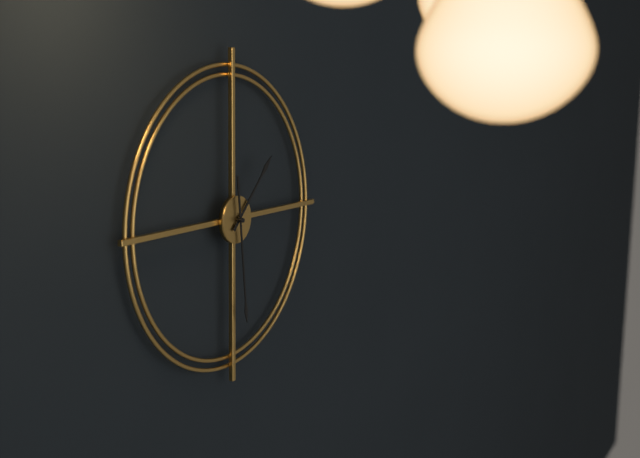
**1:29**
